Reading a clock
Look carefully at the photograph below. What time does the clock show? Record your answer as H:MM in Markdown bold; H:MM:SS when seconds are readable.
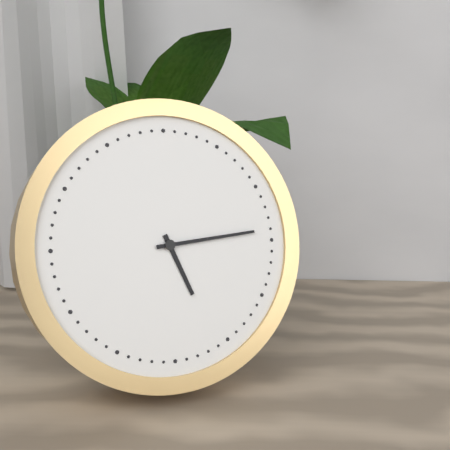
**5:14**
